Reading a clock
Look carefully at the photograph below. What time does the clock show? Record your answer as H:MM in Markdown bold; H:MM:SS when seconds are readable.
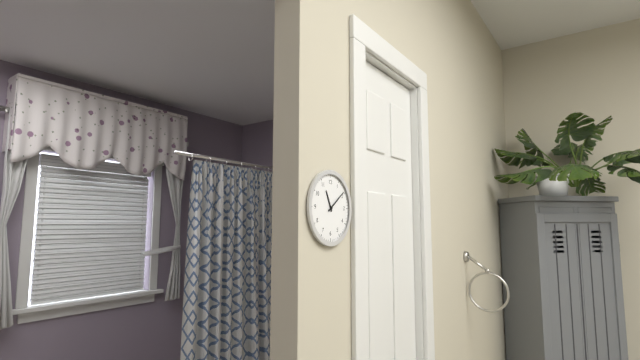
**11:09**
